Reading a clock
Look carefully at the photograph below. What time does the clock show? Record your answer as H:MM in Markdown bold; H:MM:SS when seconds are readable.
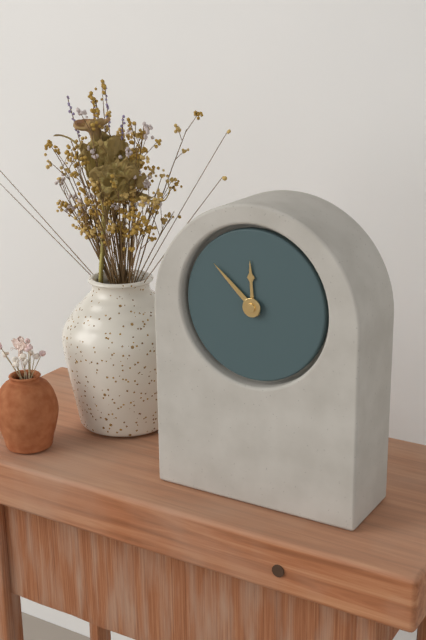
**11:52**
